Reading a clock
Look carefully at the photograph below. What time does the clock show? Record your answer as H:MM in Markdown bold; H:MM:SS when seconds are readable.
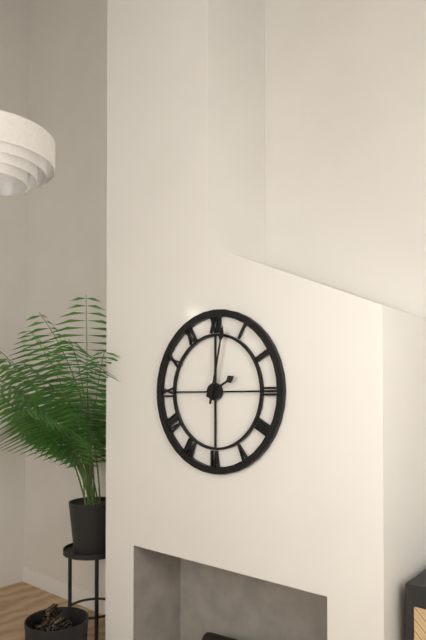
**2:02**
